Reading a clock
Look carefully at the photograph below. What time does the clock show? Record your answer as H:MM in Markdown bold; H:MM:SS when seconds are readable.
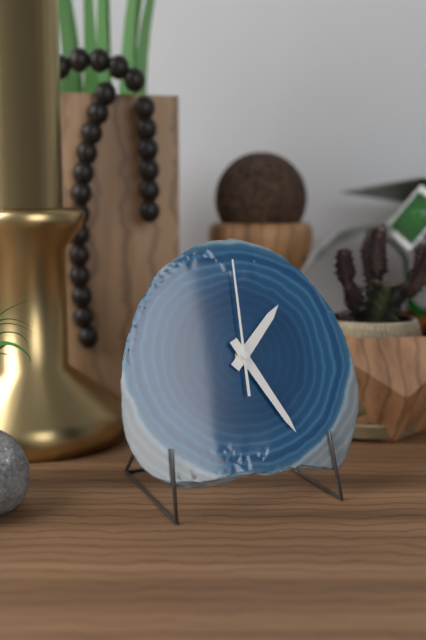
**1:25:00**
